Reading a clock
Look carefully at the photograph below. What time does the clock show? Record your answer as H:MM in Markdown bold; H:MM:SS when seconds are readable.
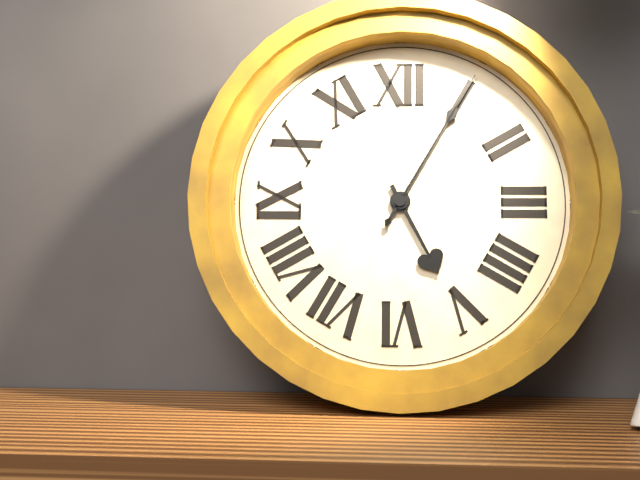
**5:05**
